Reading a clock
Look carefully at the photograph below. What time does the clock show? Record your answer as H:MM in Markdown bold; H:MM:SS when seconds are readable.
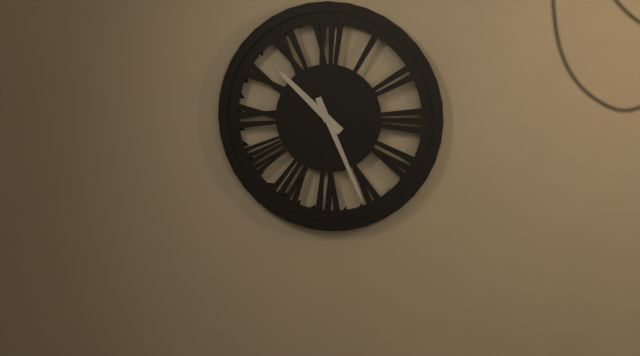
**10:26**
